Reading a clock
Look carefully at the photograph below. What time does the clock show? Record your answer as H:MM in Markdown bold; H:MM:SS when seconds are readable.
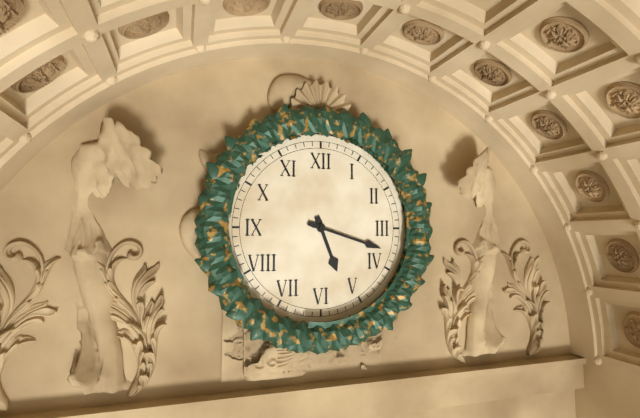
**5:18**
